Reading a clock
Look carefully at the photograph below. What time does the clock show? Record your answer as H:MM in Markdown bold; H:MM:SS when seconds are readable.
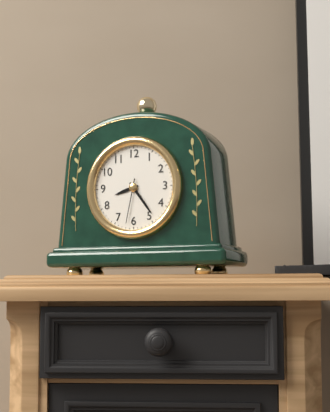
**8:24**
